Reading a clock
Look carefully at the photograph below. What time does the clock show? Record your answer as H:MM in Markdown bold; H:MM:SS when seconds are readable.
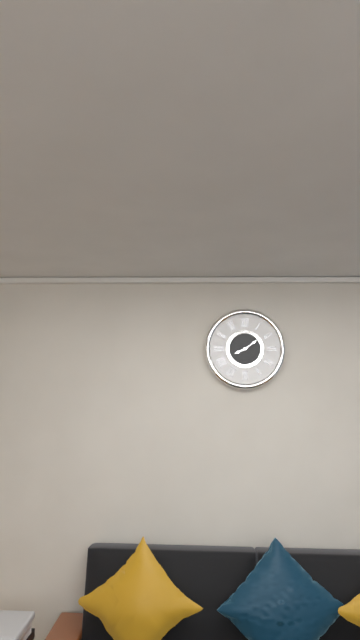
**8:09**
